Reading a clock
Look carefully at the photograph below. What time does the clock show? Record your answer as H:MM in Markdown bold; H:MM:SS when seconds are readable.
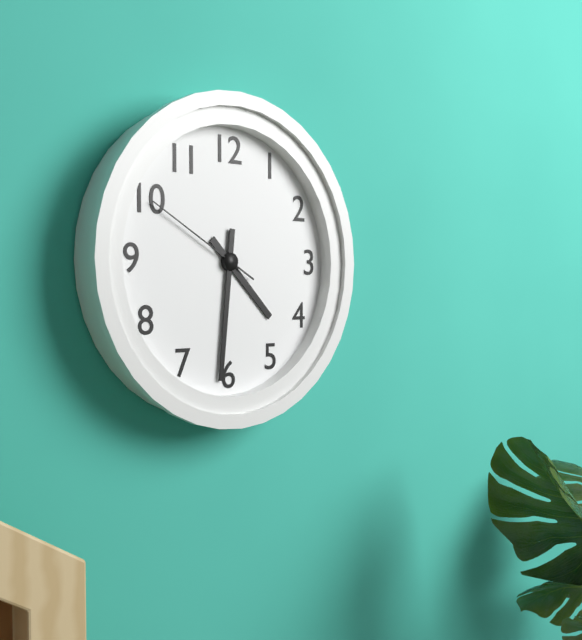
**4:31:50**
